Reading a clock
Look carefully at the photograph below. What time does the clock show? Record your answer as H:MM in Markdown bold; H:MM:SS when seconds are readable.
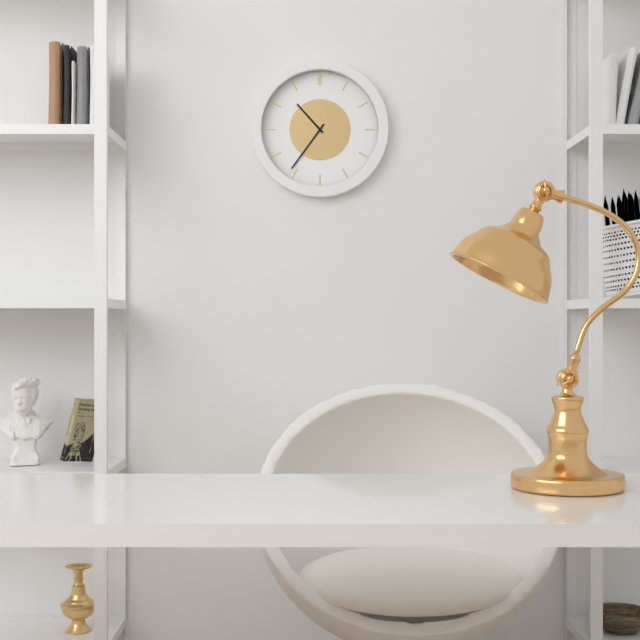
**10:36**
